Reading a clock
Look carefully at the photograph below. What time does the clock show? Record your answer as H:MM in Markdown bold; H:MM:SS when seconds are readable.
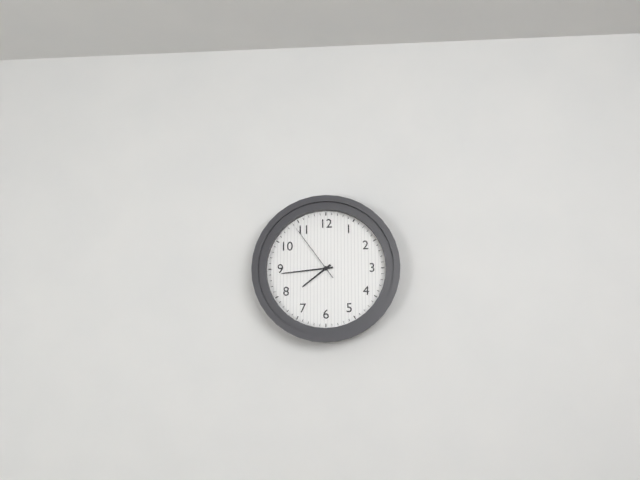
**7:44:54**
